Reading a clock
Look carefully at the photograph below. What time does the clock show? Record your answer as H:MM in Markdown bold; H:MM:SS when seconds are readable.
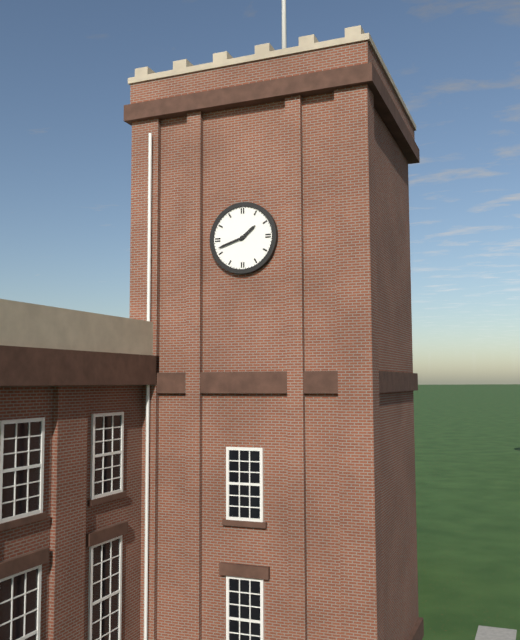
**1:42**
